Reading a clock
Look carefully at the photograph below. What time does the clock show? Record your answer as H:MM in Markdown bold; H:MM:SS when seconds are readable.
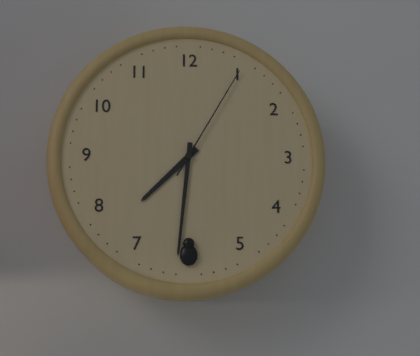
**7:31:05**
